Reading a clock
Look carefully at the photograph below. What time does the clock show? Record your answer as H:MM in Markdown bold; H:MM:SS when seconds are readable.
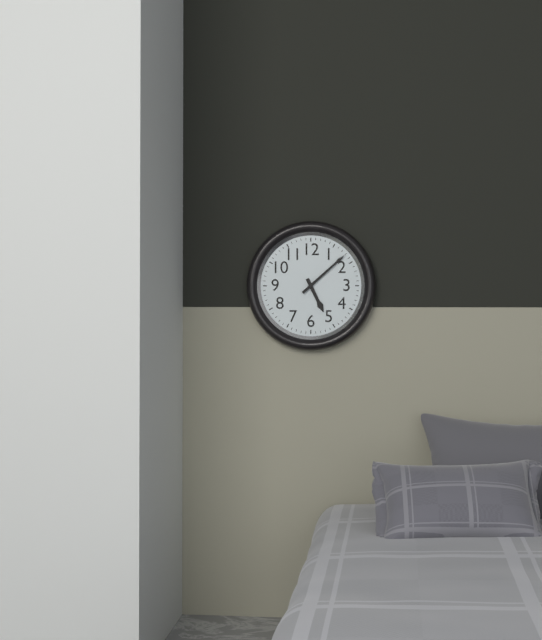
**5:08**
